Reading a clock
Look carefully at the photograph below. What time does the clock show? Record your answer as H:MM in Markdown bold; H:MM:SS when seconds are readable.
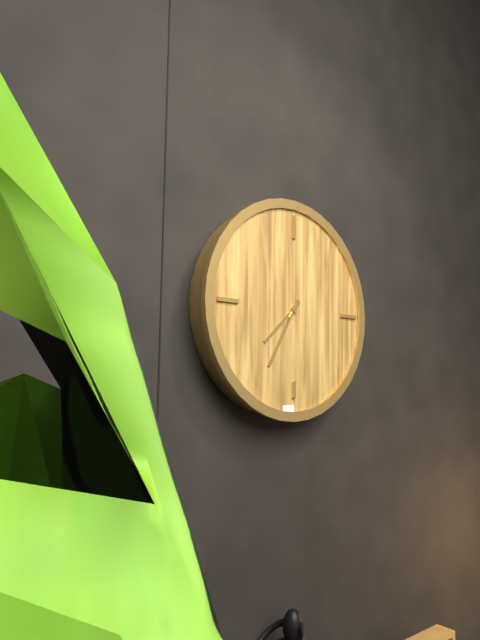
**7:35**
